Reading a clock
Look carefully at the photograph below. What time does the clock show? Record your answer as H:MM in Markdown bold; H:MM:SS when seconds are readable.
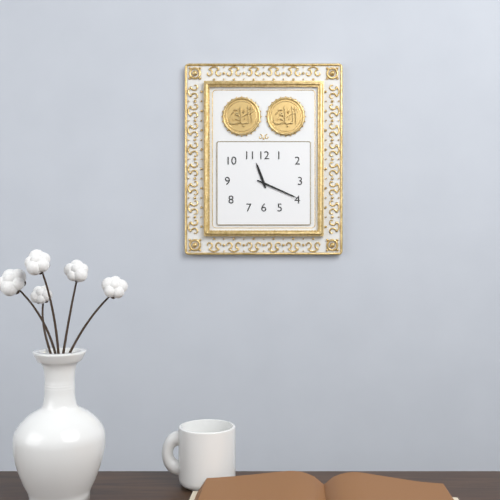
**11:19**
